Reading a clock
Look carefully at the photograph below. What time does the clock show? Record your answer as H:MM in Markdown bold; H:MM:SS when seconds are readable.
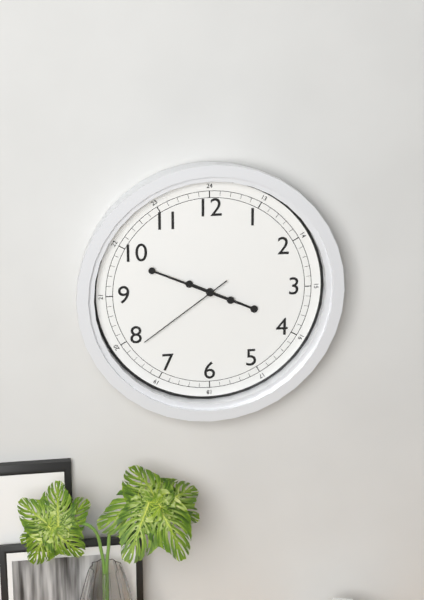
**3:49:39**
